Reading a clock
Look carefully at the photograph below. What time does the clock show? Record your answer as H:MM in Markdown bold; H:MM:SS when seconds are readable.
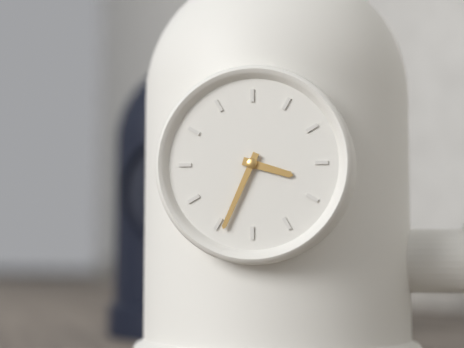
**3:34**
